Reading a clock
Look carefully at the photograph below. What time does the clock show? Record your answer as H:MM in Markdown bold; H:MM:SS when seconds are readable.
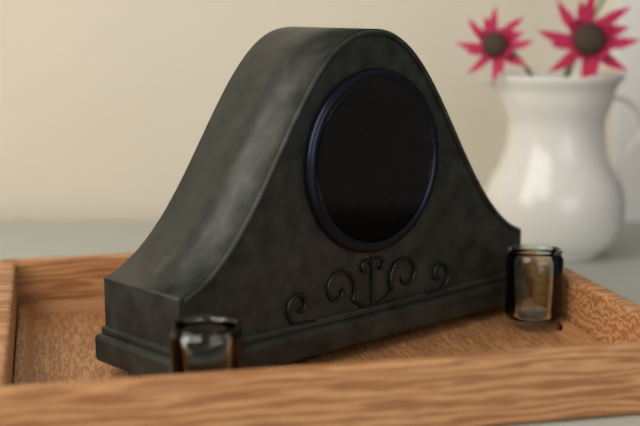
**5:31**
